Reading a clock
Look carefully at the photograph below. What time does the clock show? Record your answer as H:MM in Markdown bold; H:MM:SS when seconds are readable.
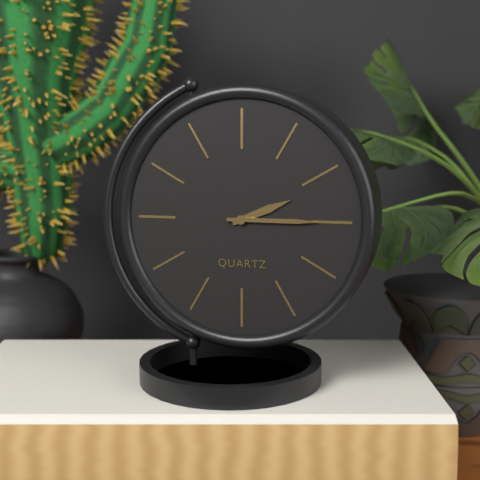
**2:15**
